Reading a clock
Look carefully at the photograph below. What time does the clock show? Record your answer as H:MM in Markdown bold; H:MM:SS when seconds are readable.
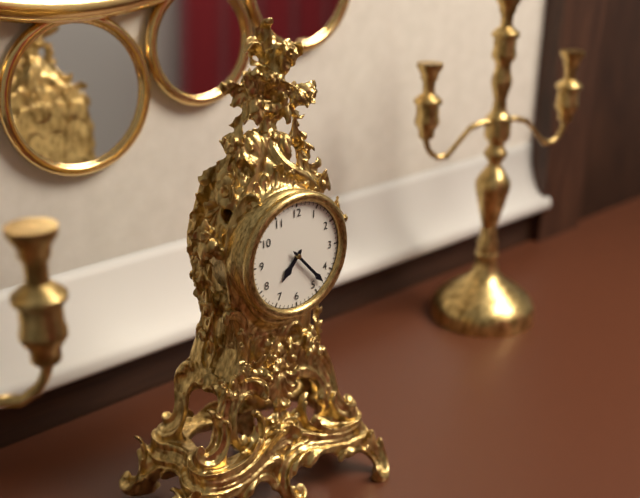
**7:23**
